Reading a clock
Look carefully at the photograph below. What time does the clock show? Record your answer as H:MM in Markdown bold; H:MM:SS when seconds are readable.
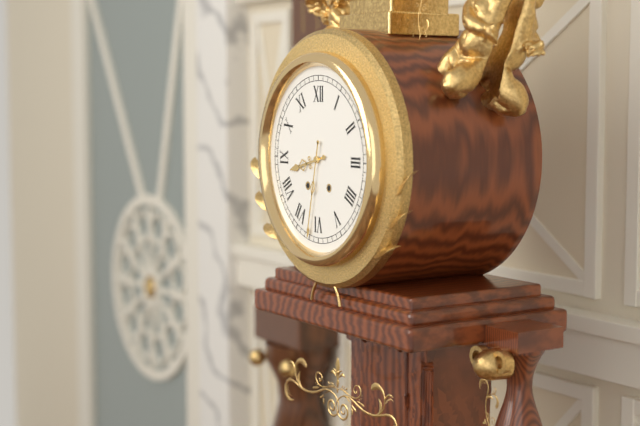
**8:32**
